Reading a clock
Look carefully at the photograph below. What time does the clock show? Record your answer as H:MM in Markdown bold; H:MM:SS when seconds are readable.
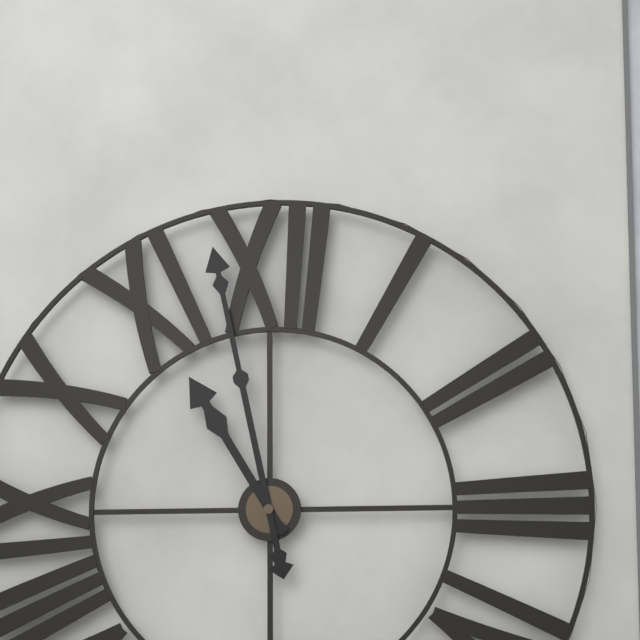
**10:58**
